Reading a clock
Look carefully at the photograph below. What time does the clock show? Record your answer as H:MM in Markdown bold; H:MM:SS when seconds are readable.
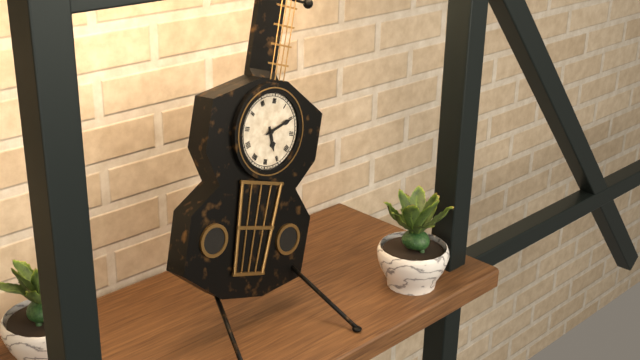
**5:10**
